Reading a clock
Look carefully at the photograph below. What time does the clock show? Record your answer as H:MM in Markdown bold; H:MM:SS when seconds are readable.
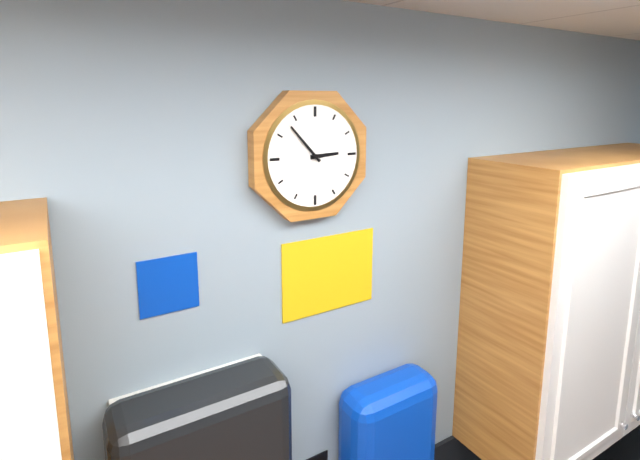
**2:53**
